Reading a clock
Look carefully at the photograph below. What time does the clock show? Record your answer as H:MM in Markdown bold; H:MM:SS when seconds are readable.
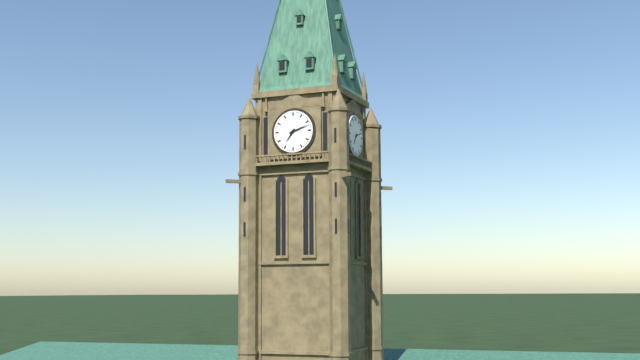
**7:12**
